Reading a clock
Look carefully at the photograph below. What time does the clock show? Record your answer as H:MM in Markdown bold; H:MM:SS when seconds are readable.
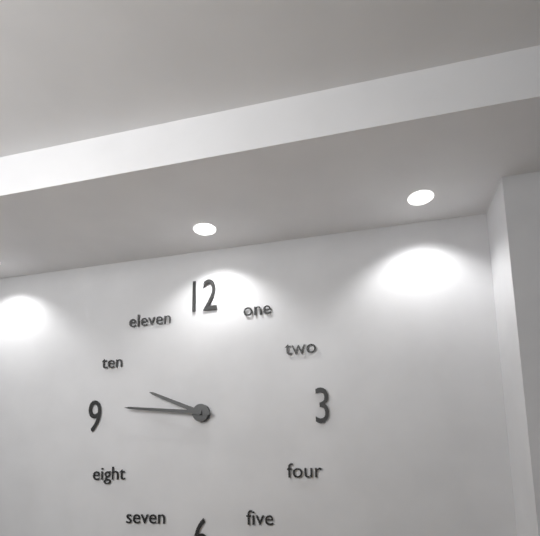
**9:46**
